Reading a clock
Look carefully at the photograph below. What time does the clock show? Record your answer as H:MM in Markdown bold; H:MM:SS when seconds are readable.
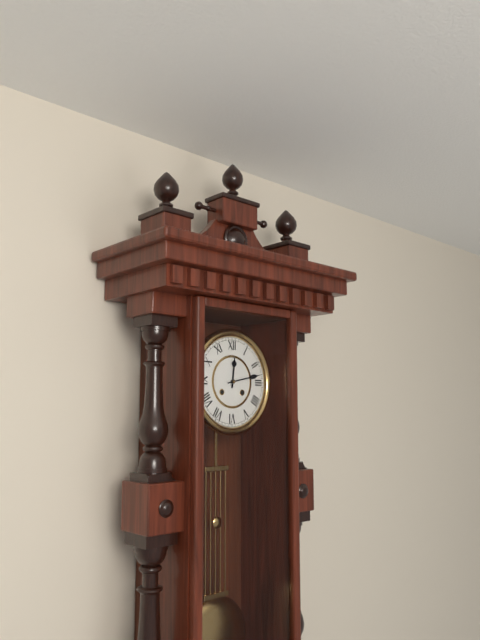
**12:13**
